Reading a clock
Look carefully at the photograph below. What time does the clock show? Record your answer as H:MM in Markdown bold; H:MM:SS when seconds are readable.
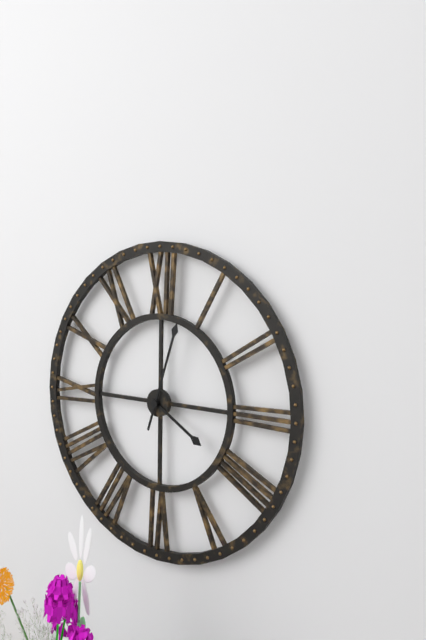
**4:03**
